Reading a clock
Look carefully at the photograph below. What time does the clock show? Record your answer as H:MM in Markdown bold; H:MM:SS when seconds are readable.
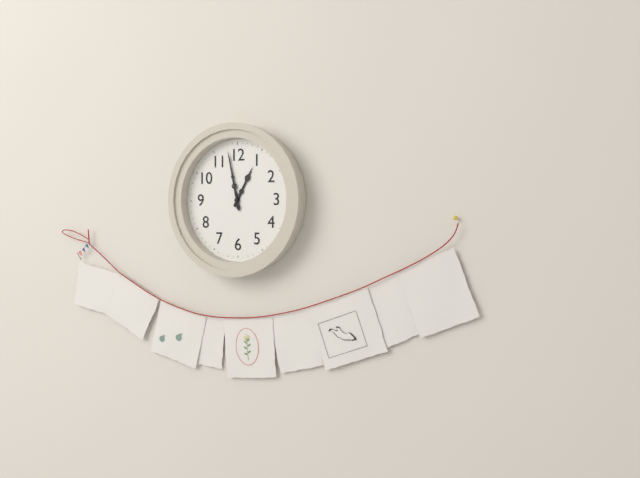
**12:58**
